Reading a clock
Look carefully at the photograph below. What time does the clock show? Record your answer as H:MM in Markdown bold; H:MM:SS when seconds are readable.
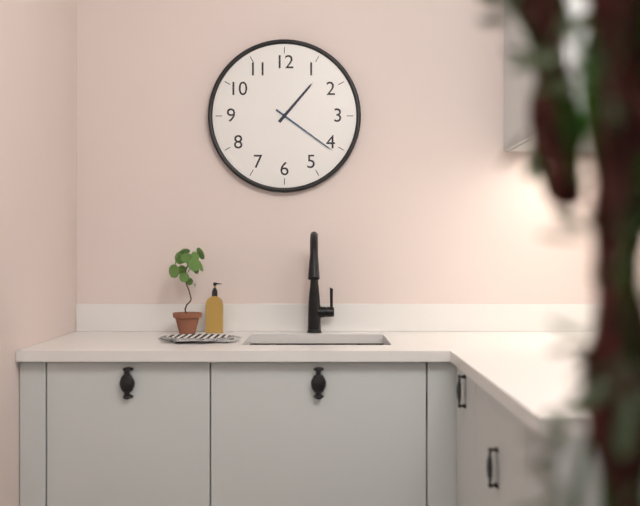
**1:21**
